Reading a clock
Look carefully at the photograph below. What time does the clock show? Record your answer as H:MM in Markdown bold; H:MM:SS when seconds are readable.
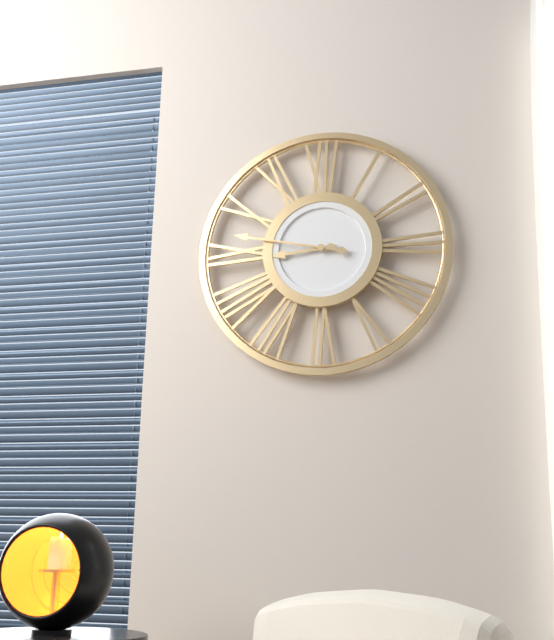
**8:47**
